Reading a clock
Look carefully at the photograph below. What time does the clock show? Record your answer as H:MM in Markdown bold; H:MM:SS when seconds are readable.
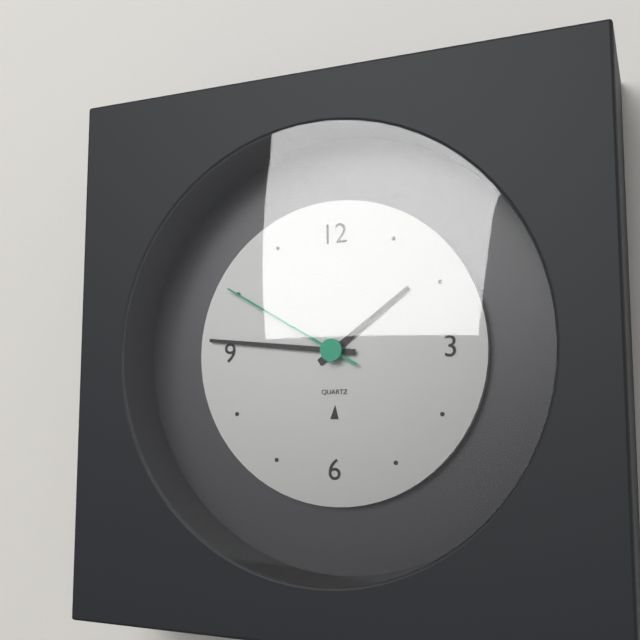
**1:46:50**
